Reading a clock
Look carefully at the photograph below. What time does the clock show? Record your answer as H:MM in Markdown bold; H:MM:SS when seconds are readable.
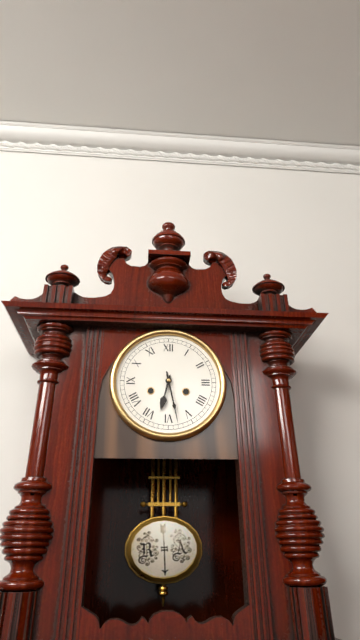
**6:28**
